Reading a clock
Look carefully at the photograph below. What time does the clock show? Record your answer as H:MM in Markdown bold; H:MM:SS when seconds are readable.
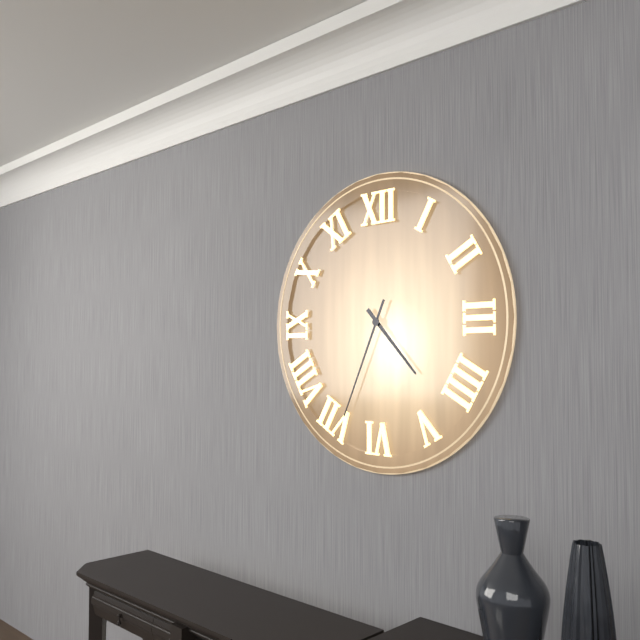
**4:34**
